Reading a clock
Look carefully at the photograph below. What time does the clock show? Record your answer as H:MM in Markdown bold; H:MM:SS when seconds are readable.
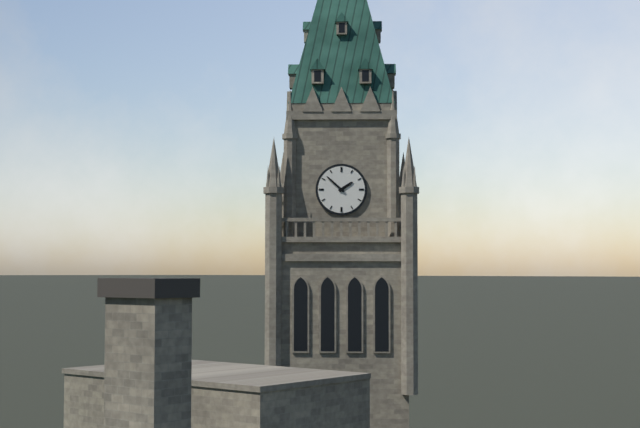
**1:52**
